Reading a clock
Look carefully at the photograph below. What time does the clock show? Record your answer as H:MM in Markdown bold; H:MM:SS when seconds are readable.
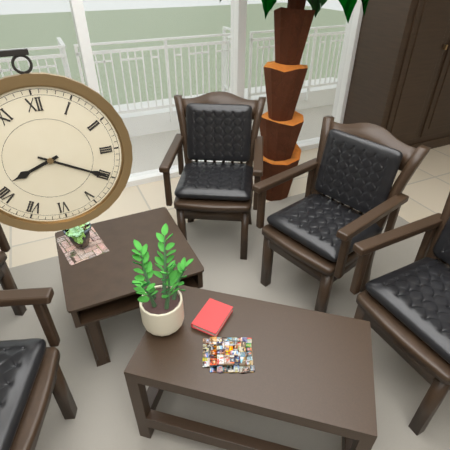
**8:20**
